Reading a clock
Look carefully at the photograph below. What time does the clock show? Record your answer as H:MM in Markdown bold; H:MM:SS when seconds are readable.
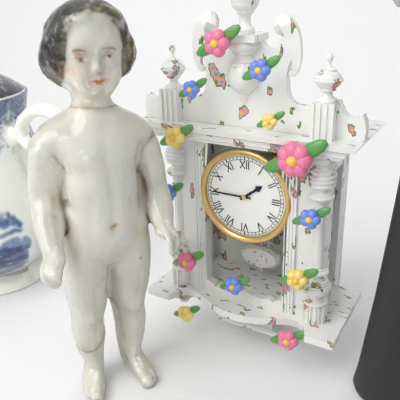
**1:45**
